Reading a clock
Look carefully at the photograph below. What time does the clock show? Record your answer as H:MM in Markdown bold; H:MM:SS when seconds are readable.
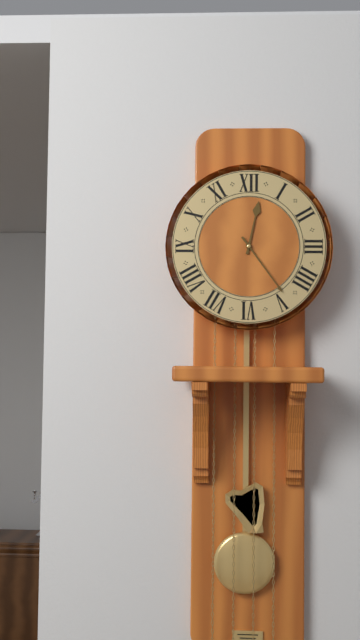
**12:24**
